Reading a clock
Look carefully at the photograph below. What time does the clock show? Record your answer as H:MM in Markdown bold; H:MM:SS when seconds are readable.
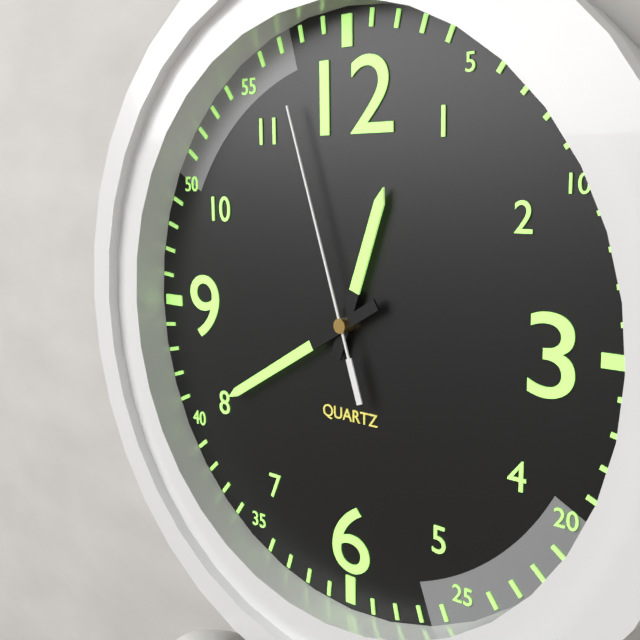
**12:40:57**
